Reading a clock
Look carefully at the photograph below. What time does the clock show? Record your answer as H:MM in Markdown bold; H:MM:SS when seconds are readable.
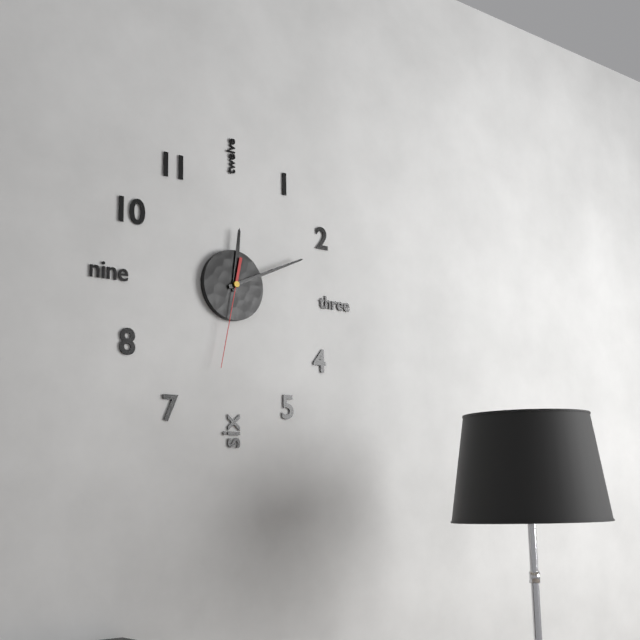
**12:11:32**
